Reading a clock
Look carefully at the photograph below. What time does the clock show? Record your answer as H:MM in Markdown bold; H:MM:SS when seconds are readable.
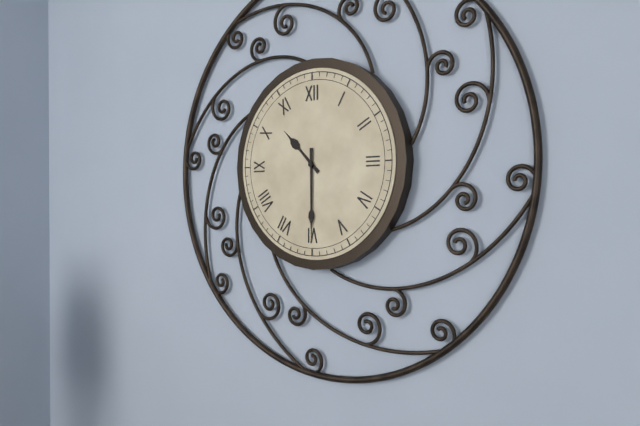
**10:30**
